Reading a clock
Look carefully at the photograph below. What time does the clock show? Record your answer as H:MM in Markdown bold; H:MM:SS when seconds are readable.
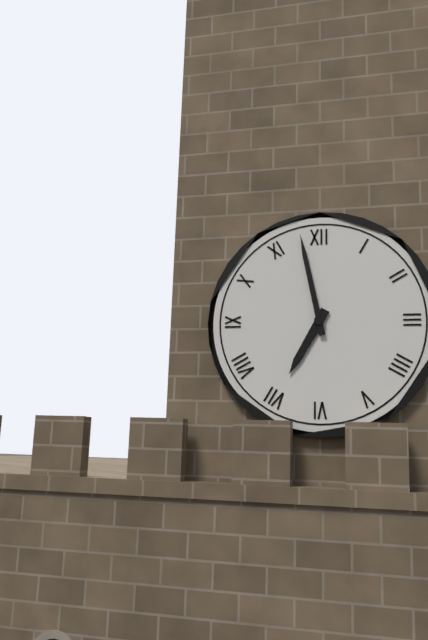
**6:58**
